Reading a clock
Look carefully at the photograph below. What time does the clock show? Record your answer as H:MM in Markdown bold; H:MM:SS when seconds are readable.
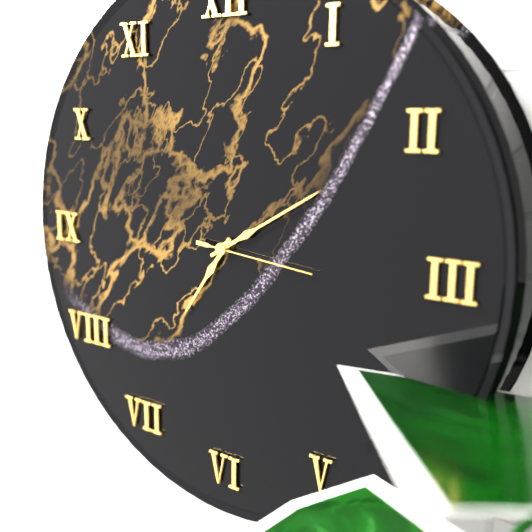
**7:10:16**
